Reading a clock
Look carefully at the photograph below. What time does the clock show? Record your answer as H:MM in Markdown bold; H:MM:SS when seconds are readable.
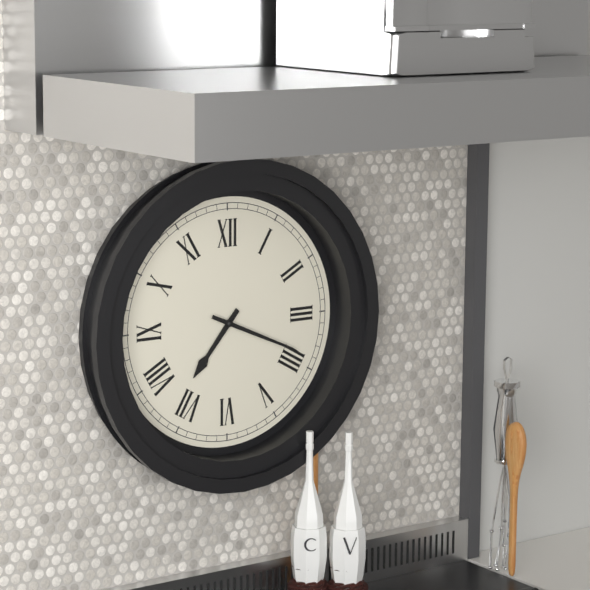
**7:19**
